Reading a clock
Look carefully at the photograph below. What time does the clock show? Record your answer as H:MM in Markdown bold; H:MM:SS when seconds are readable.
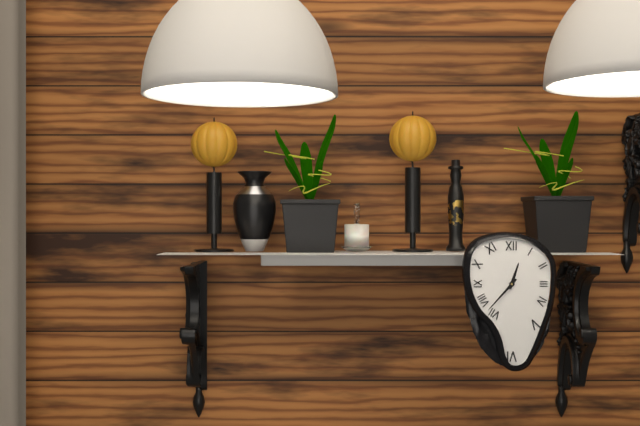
**12:37**
